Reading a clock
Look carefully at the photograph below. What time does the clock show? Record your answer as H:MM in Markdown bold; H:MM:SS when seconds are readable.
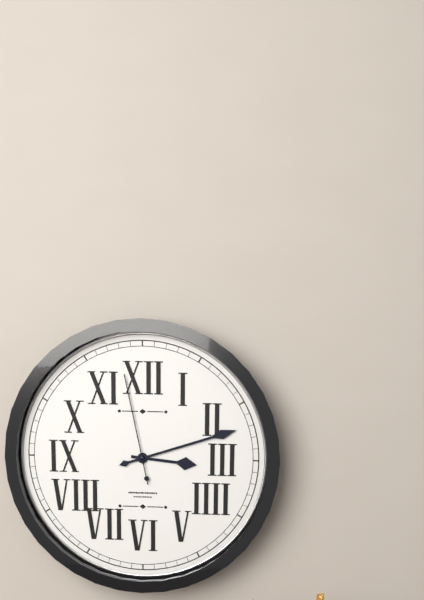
**3:12:58**
